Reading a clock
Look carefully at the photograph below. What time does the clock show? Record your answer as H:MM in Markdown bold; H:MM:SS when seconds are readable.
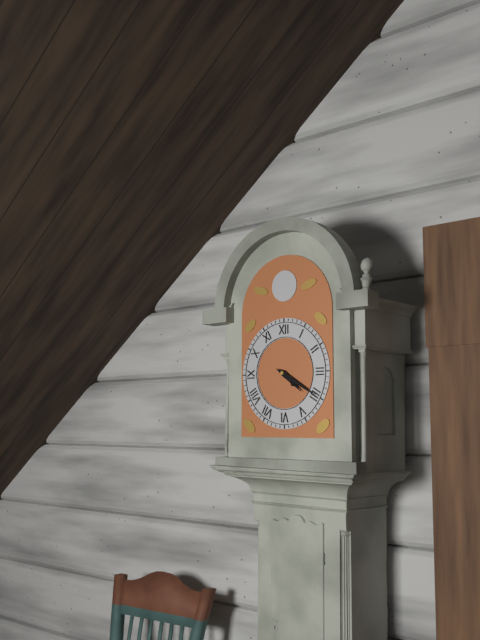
**4:20**
